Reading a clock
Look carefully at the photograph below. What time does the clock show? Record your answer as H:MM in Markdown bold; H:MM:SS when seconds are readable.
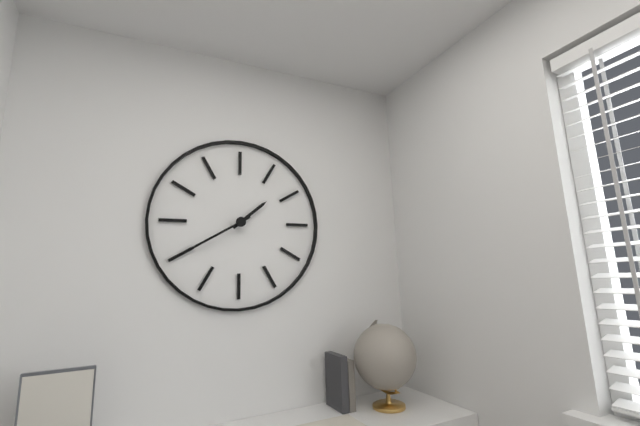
**1:40**
